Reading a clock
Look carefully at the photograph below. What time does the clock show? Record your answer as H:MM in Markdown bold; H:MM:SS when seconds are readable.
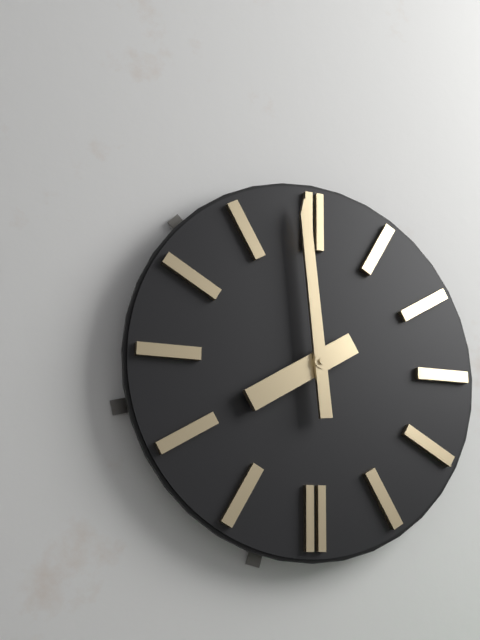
**7:59**
